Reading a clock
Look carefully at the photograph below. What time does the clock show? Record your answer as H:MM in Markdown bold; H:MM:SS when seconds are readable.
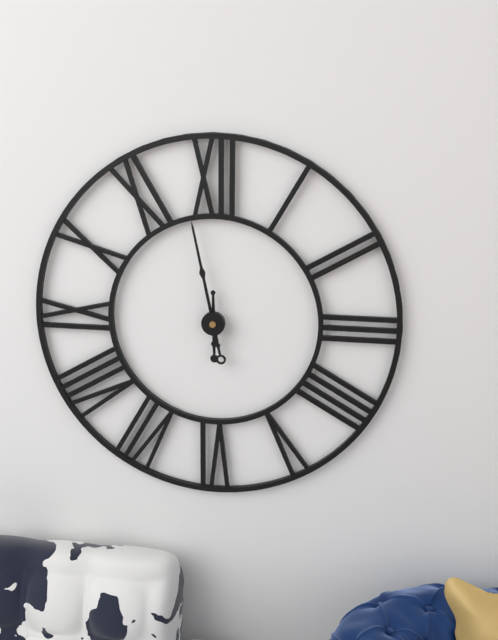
**5:58**
